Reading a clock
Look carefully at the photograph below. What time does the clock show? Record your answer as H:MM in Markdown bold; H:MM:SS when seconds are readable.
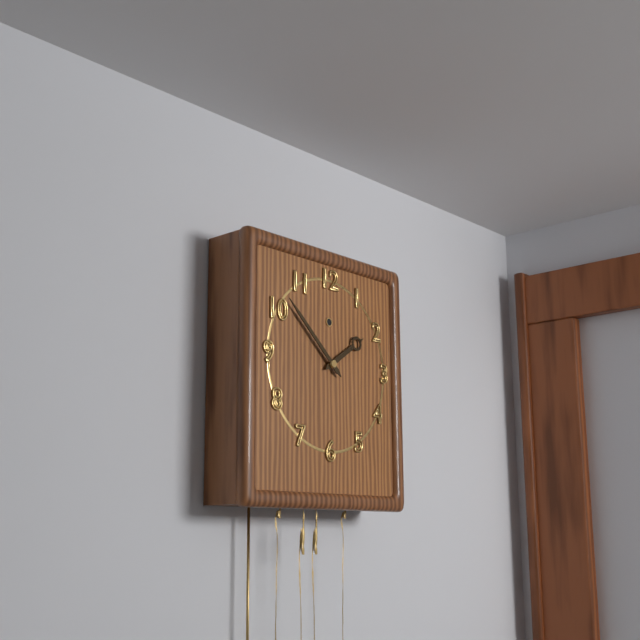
**1:52**
